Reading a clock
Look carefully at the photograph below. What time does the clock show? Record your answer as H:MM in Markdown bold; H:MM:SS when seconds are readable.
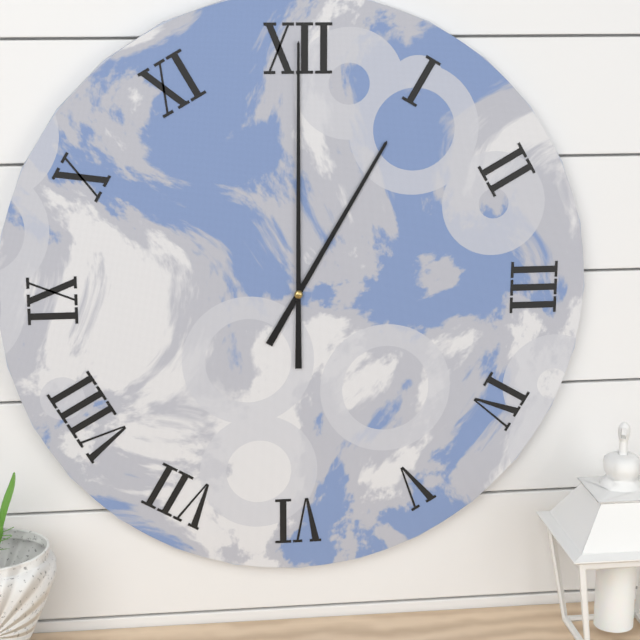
**1:00**
